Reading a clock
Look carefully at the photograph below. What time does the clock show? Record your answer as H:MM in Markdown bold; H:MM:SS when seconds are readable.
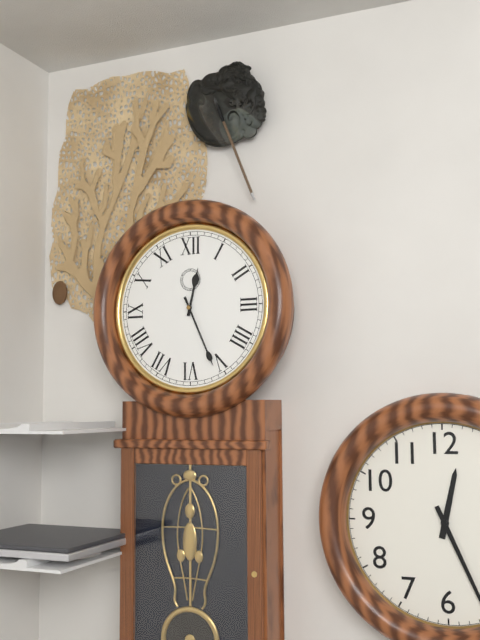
**12:26**
